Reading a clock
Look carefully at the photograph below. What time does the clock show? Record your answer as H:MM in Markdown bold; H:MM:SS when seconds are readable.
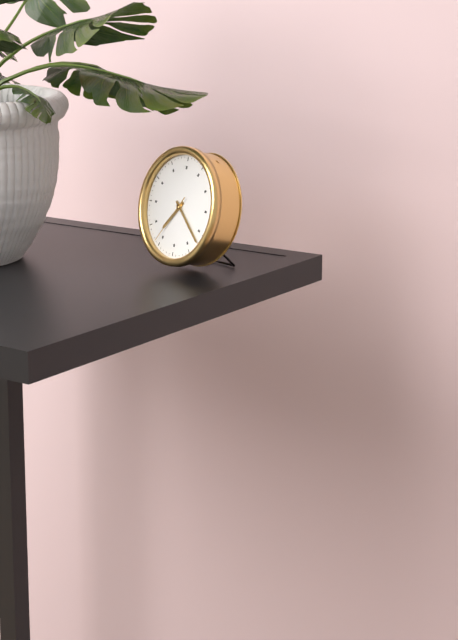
**7:22:36**
